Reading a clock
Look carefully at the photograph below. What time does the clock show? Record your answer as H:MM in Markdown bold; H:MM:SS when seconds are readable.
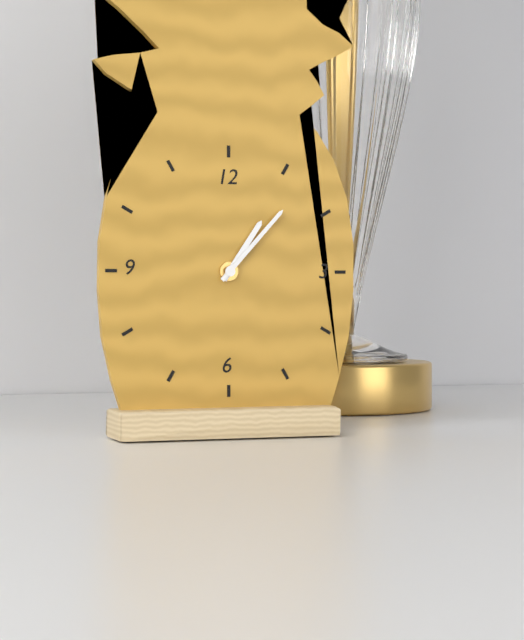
**1:07**
